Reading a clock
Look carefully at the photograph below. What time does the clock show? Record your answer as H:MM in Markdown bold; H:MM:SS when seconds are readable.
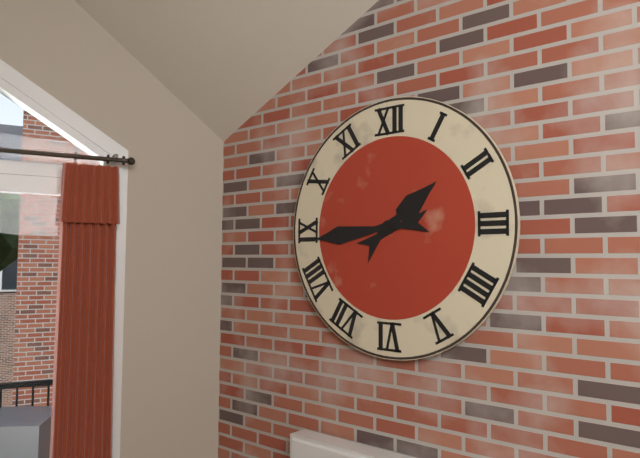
**1:44**
